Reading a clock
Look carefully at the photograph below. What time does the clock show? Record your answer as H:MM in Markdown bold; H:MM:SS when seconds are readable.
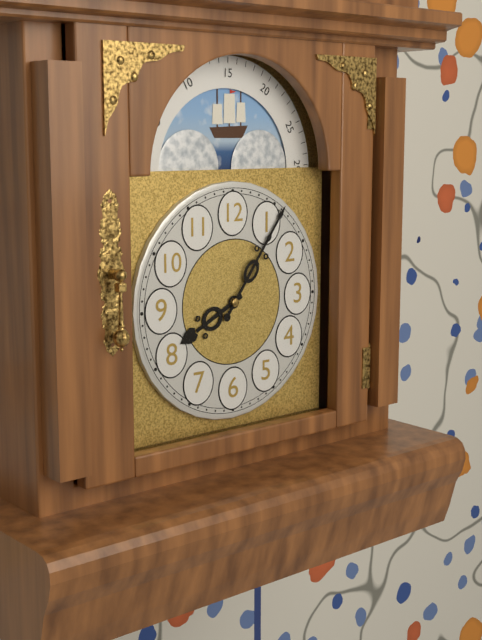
**8:06**
